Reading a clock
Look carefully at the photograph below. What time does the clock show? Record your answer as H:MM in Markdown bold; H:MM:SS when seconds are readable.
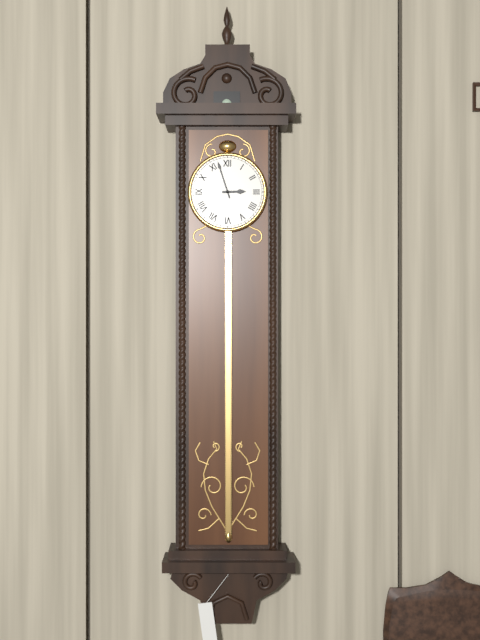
**2:57**
